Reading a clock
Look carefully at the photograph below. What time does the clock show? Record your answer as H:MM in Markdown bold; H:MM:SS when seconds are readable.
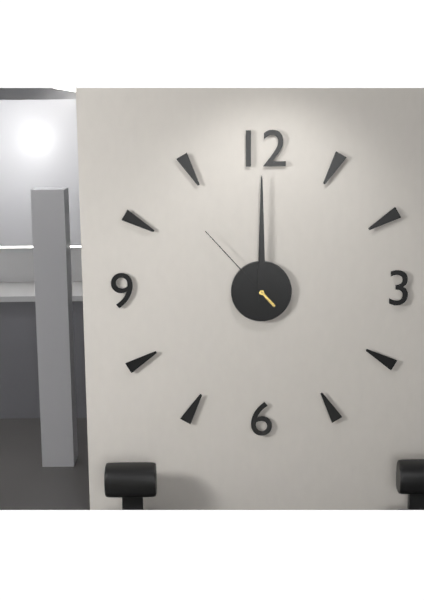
**12:00:53**
